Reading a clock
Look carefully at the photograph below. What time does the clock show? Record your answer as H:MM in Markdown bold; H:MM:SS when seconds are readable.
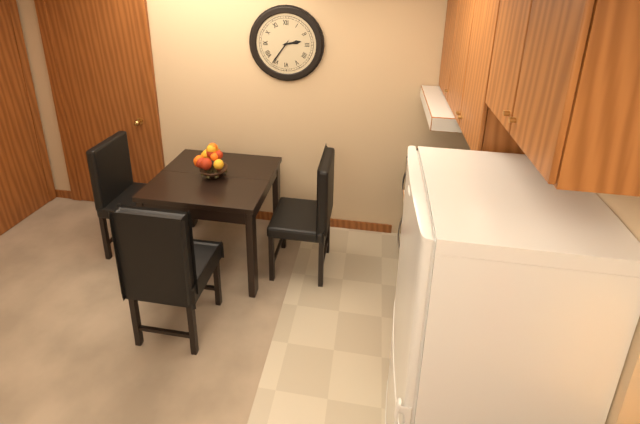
**2:36**
